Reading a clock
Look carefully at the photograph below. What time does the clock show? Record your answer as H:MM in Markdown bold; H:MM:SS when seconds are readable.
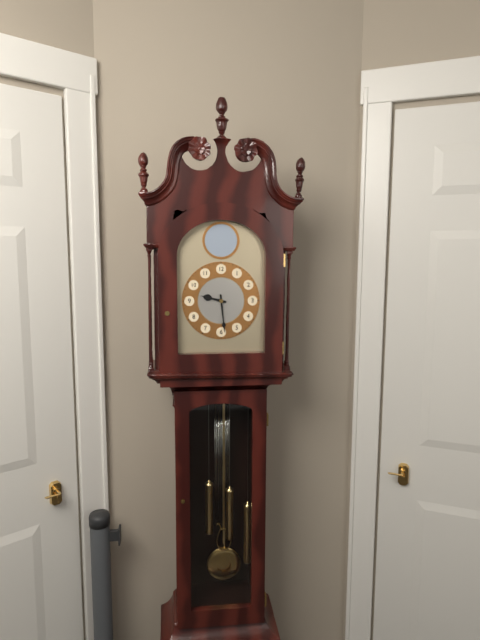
**9:29**
